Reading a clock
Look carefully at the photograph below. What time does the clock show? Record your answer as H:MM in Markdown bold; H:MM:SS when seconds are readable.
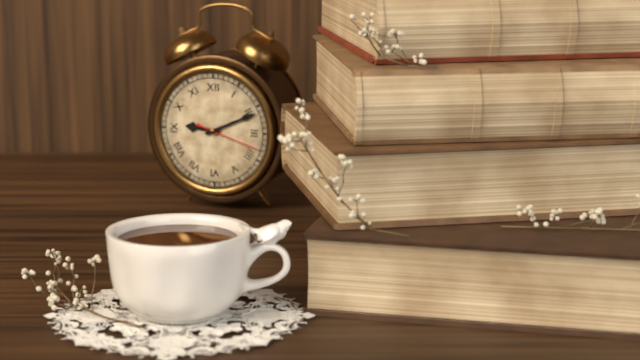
**9:11:18**
